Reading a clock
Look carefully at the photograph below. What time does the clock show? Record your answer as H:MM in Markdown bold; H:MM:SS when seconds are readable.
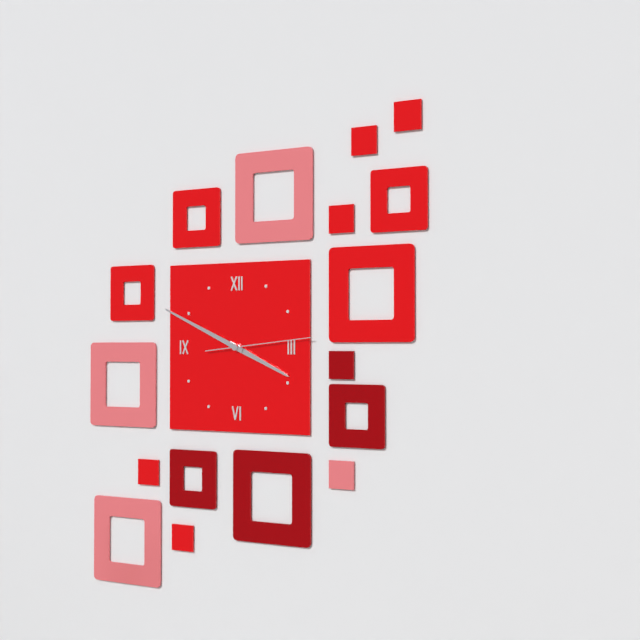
**3:49:14**
